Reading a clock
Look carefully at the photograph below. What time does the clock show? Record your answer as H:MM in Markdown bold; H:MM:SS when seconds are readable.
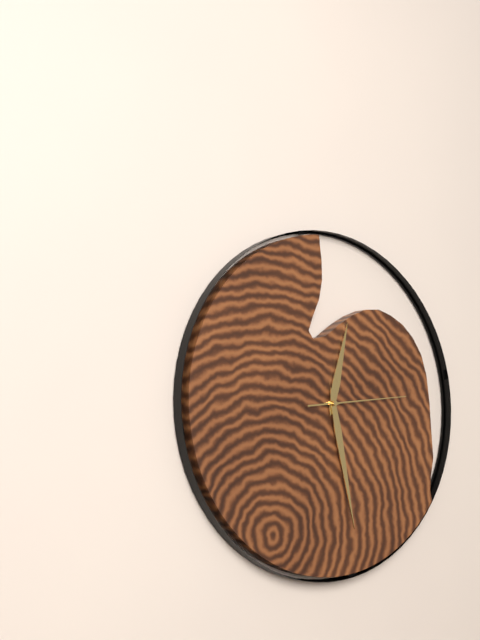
**12:28:14**
